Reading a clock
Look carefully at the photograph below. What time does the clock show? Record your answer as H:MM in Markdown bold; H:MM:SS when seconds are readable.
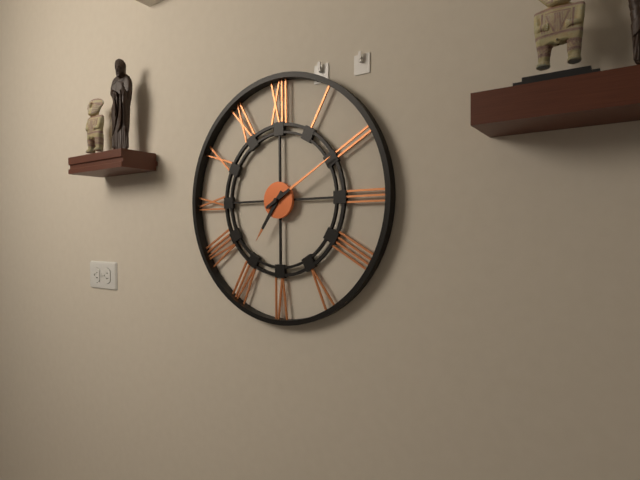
**7:10**
